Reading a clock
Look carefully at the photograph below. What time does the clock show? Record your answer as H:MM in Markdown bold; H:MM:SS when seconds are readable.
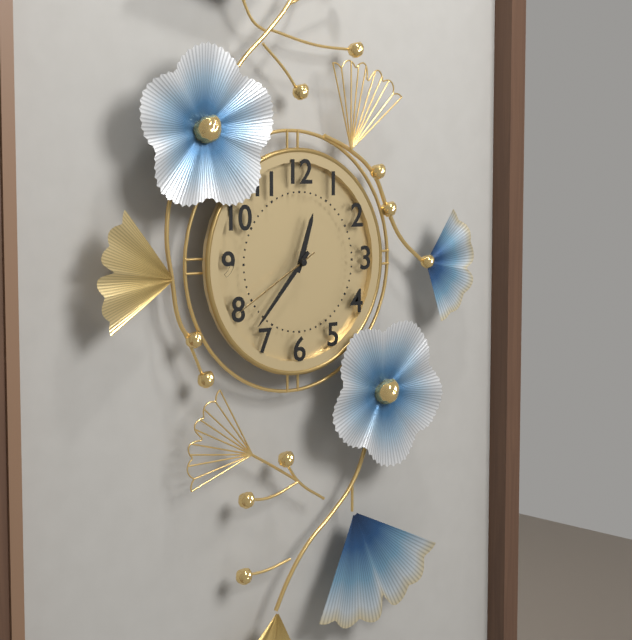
**12:37:40**
